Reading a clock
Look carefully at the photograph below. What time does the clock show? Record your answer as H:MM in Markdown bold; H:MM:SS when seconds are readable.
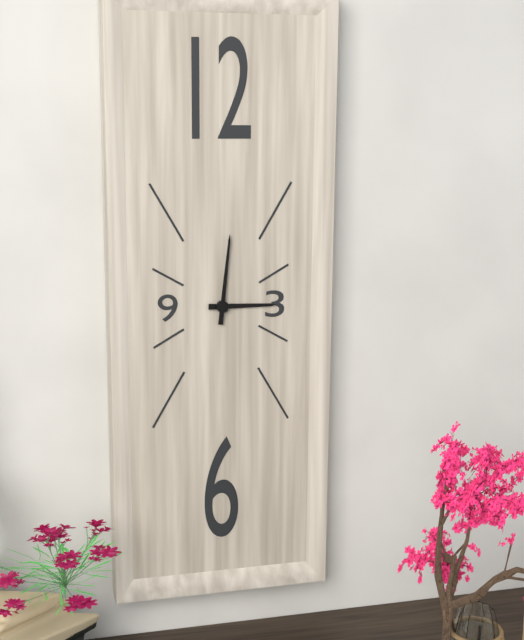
**3:01**
